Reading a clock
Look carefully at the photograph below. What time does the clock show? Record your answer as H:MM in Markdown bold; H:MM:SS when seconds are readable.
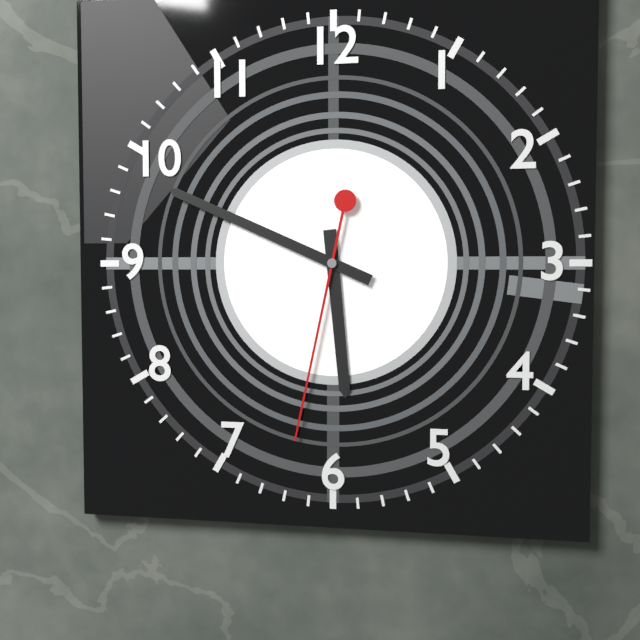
**5:49:32**
